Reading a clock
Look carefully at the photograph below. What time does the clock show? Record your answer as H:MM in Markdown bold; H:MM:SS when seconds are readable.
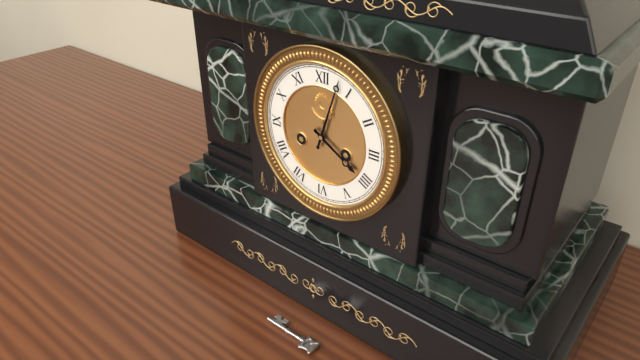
**4:03**
